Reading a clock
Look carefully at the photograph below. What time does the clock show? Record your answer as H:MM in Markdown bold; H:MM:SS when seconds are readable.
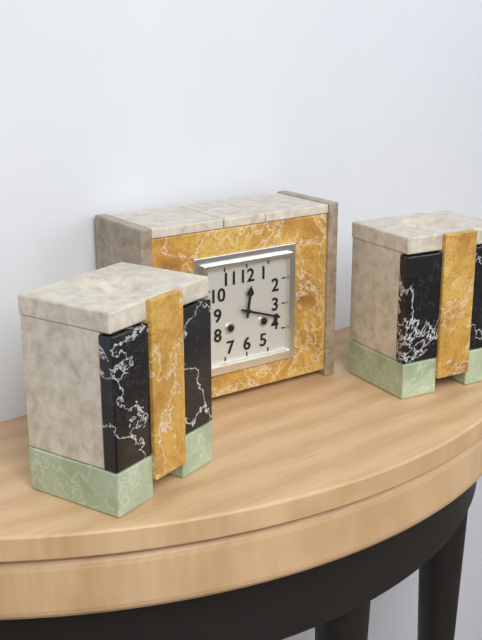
**12:18**
